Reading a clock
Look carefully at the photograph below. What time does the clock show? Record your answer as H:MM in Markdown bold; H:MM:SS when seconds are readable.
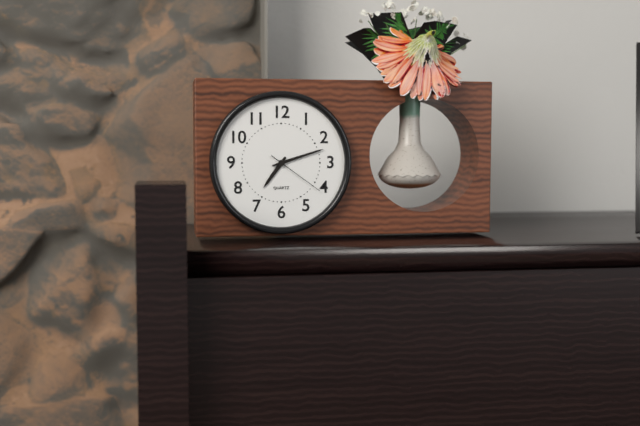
**7:12:21**
